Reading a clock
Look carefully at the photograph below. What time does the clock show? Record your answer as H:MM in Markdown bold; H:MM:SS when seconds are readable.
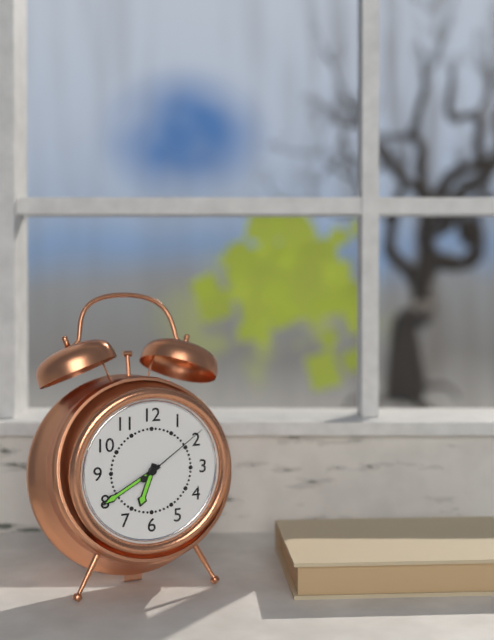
**6:40:09**
